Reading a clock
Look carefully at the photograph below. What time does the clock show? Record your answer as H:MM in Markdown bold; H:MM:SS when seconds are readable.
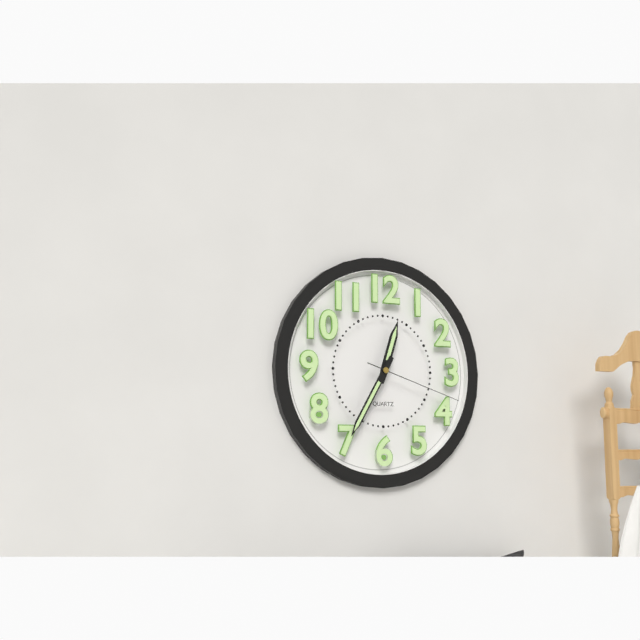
**12:35:18**
